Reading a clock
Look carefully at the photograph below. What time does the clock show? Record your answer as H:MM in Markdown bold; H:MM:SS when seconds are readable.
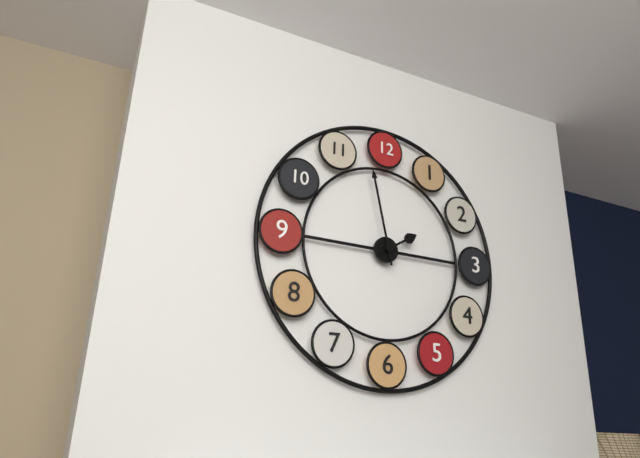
**1:58**
